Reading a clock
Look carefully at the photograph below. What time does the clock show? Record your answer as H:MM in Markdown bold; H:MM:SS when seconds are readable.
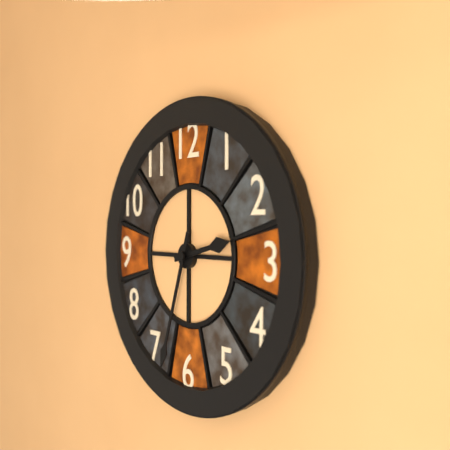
**2:33**
